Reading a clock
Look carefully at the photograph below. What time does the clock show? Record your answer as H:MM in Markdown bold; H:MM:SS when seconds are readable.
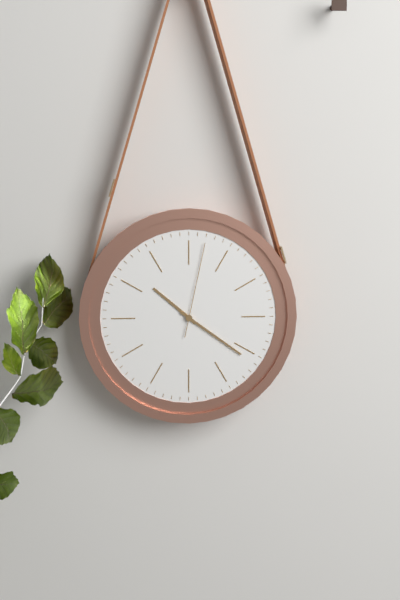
**10:21:02**
